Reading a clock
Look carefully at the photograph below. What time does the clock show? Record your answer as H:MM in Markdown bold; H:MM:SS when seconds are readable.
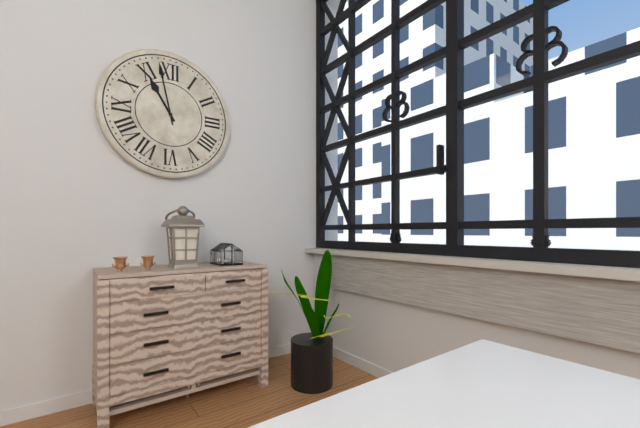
**10:58**
